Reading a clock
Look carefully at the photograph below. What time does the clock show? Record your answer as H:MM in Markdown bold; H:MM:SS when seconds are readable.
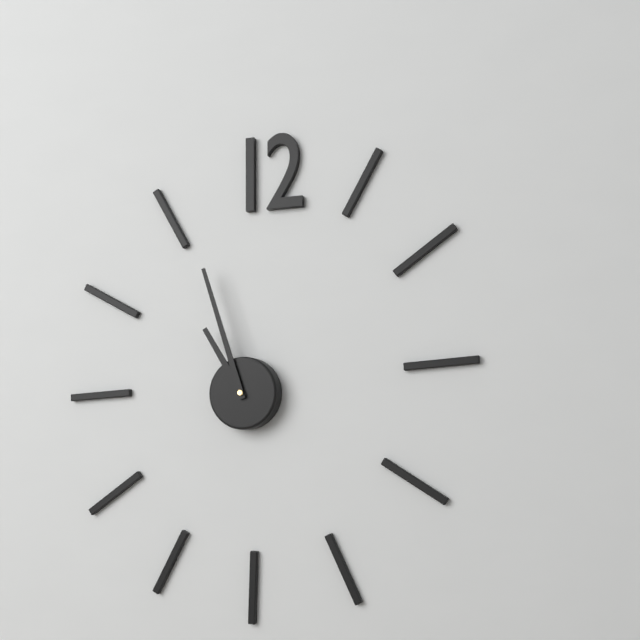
**10:57**
